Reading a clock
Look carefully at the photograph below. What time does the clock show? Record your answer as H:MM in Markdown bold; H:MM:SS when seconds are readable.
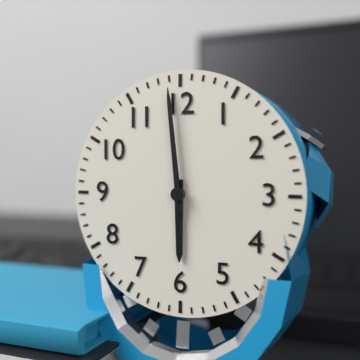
**5:59**
